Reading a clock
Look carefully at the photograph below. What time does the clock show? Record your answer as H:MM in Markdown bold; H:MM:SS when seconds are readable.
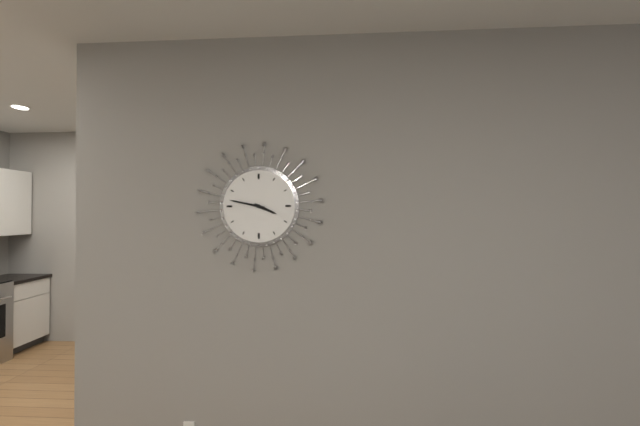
**3:47**
